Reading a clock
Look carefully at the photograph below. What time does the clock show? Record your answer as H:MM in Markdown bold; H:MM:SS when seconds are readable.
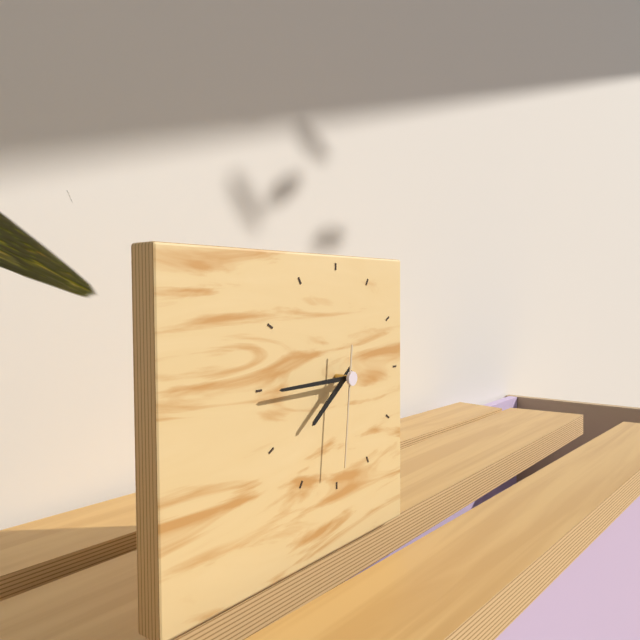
**7:45:31**
